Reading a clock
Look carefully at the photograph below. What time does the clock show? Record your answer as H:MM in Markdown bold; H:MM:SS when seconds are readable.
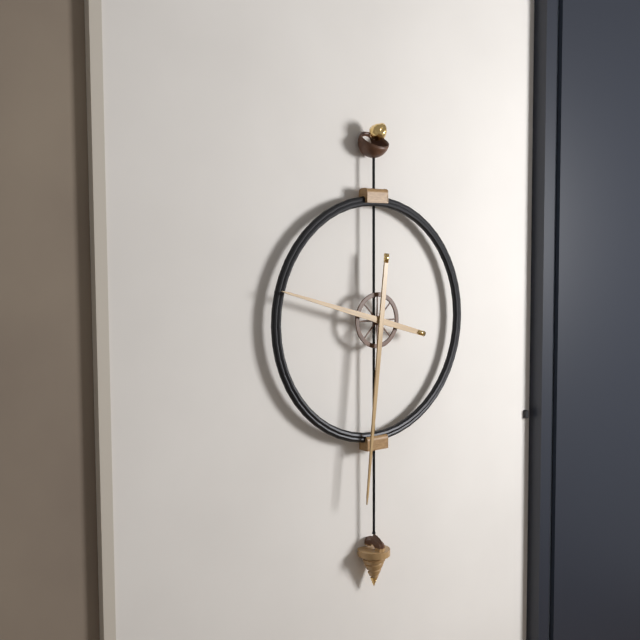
**9:31**
